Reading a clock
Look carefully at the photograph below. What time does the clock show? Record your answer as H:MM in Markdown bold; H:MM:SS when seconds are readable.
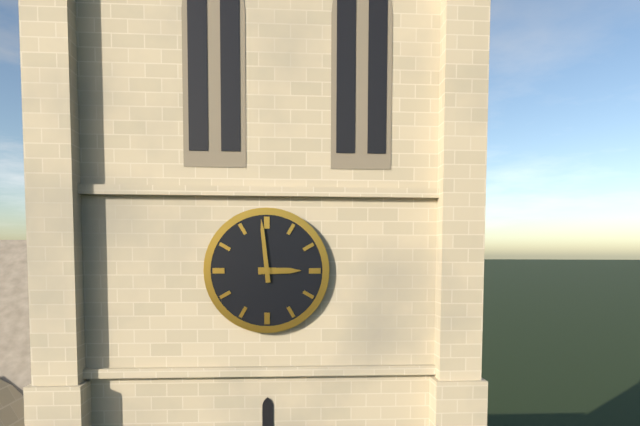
**2:59**
